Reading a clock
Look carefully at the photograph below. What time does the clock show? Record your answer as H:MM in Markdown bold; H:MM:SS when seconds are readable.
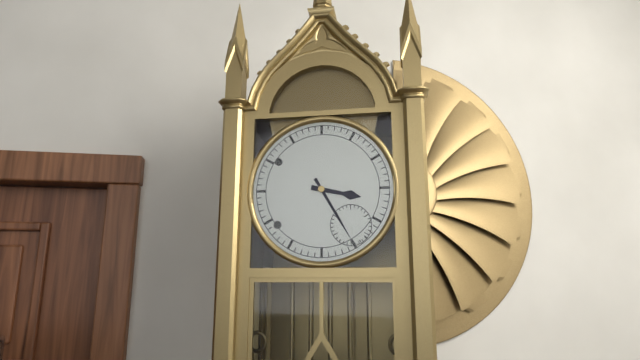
**3:25**
